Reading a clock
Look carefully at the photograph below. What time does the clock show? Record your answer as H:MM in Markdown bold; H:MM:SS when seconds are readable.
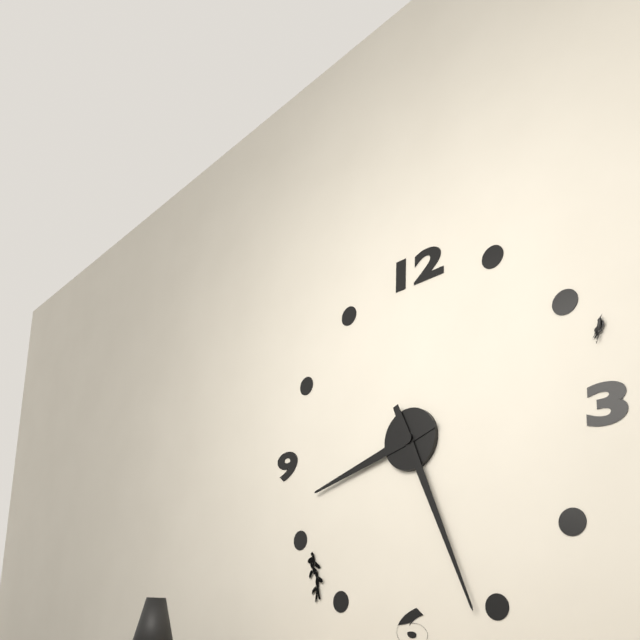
**8:26**
